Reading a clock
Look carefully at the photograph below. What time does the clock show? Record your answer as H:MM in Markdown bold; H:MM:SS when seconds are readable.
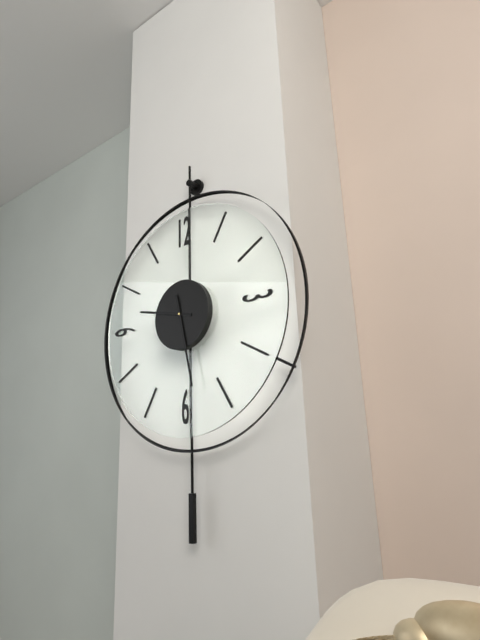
**9:28**
